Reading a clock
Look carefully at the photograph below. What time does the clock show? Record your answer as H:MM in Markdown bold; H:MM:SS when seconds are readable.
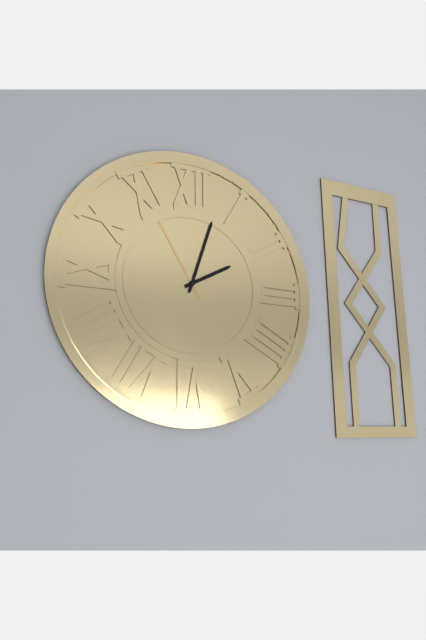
**2:03:55**
